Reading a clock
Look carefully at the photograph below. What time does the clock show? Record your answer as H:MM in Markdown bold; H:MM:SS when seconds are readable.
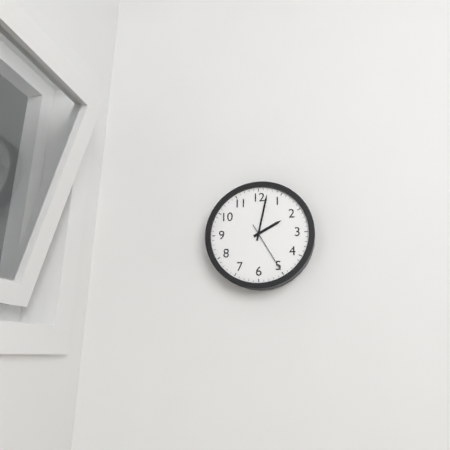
**2:02:25**
